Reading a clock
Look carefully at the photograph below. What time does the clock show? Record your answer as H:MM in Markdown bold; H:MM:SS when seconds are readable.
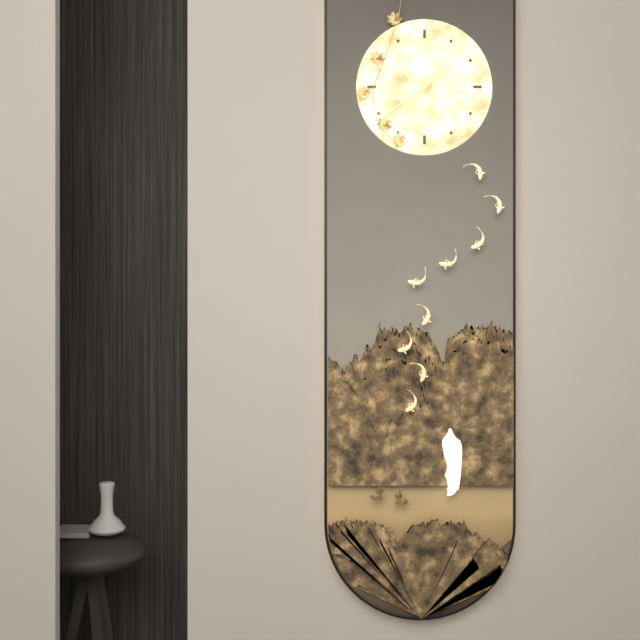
**1:39**
